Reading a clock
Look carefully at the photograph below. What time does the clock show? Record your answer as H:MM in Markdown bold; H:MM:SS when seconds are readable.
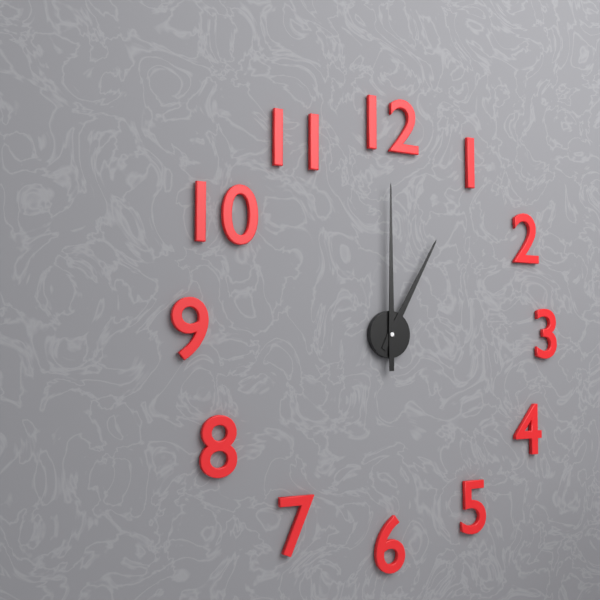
**1:00**
